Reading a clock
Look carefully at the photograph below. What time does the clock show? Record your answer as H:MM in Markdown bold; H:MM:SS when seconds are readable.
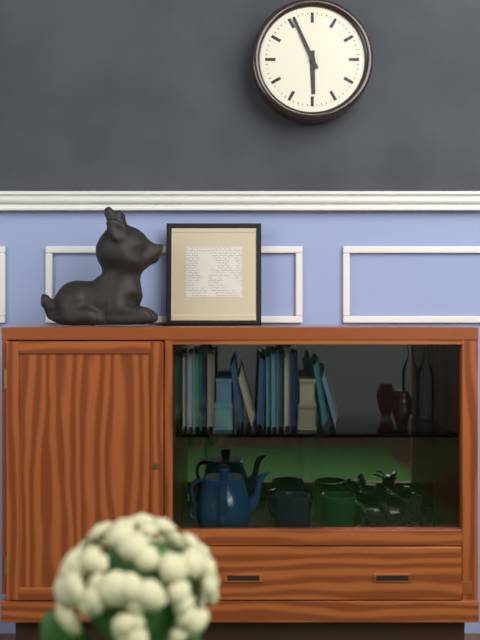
**5:56**
